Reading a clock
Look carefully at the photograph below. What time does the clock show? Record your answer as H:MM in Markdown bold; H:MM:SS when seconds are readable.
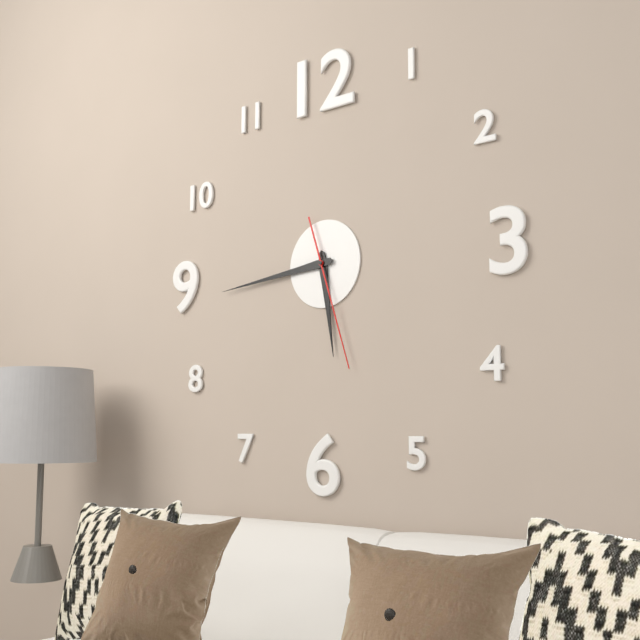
**5:44:27**
